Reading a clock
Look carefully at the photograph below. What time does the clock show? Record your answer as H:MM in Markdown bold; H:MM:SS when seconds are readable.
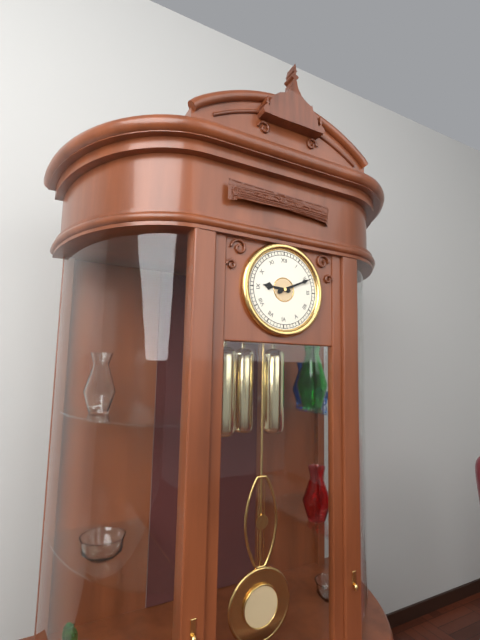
**9:11**
